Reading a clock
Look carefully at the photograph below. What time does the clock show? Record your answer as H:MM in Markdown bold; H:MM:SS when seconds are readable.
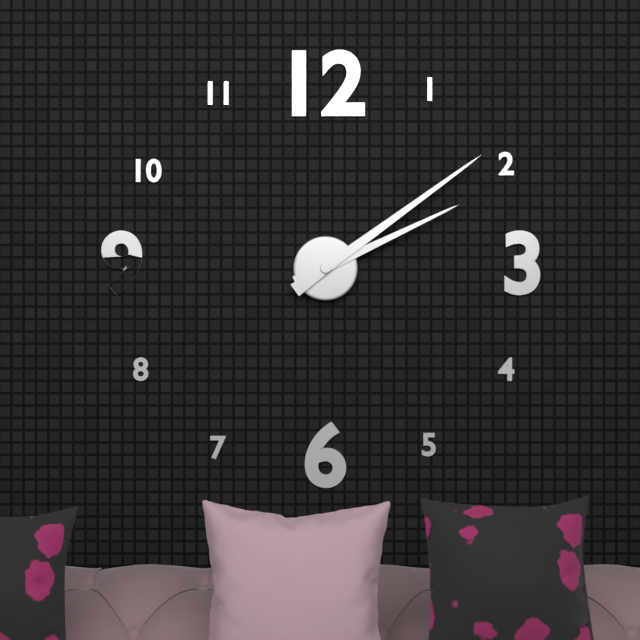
**2:09**
